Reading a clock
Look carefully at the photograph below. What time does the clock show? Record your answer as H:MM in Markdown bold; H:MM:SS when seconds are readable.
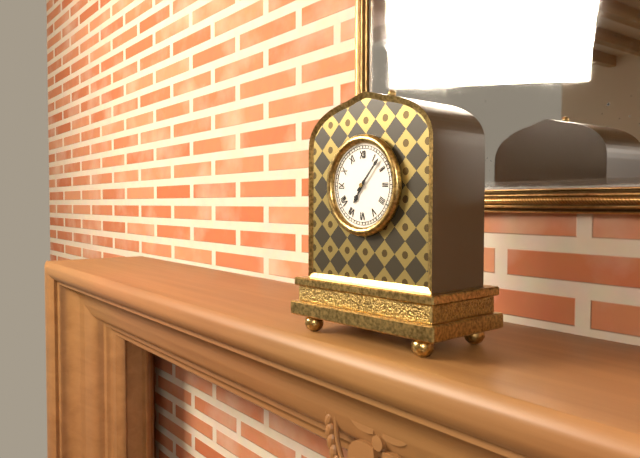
**7:07**
